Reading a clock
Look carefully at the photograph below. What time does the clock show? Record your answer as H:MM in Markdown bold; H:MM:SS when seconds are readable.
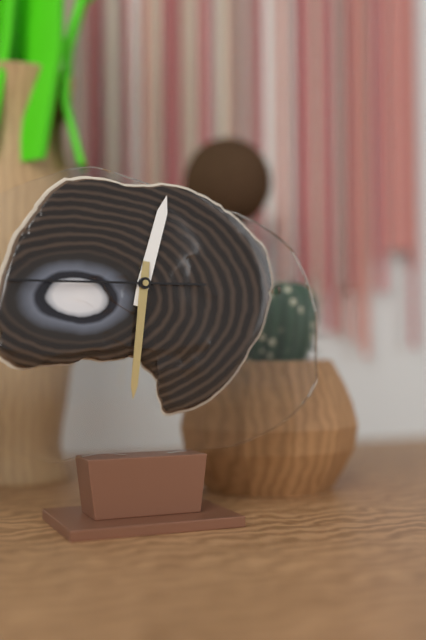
**12:31:45**
